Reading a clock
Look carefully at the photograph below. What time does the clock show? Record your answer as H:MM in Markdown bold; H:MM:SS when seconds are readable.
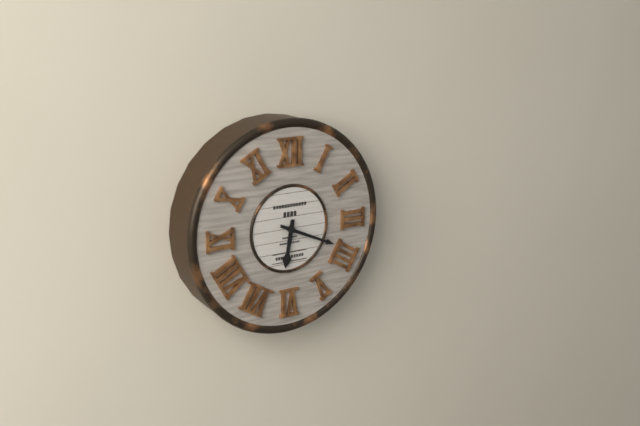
**6:19**
